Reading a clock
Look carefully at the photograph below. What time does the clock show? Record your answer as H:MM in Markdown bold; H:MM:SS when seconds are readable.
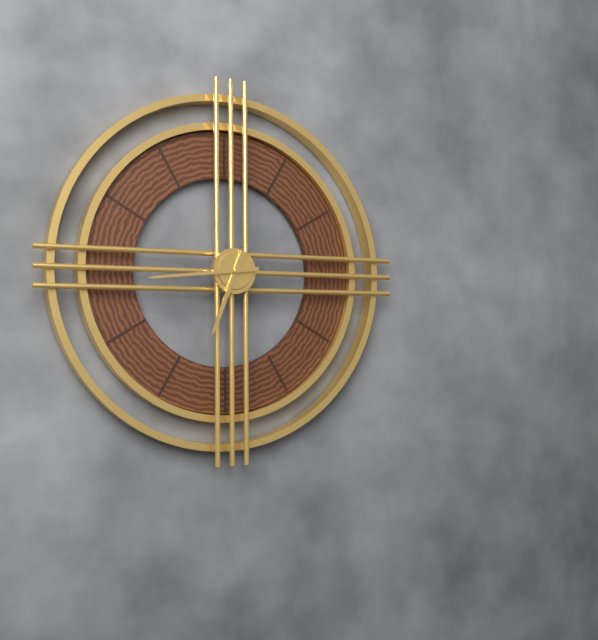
**6:44**
